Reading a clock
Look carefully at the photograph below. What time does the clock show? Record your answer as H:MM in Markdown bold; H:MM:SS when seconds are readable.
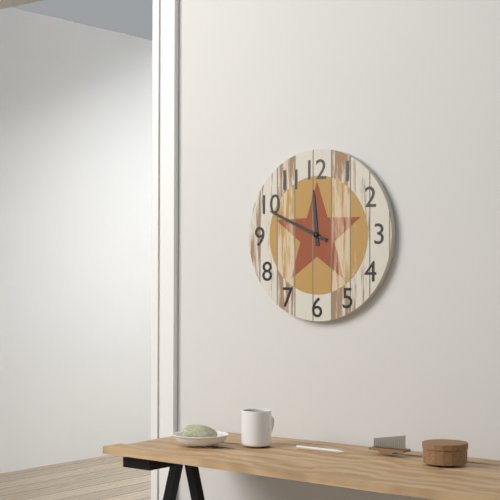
**11:49**
